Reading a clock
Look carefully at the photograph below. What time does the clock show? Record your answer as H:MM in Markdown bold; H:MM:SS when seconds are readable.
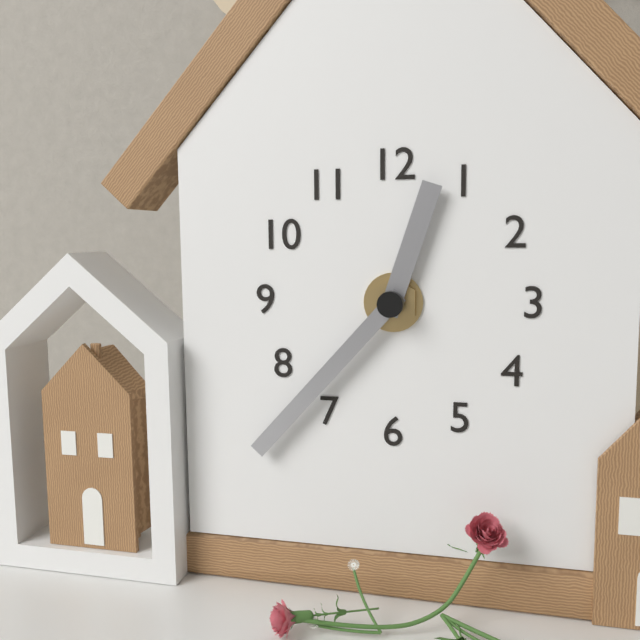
**12:37**
